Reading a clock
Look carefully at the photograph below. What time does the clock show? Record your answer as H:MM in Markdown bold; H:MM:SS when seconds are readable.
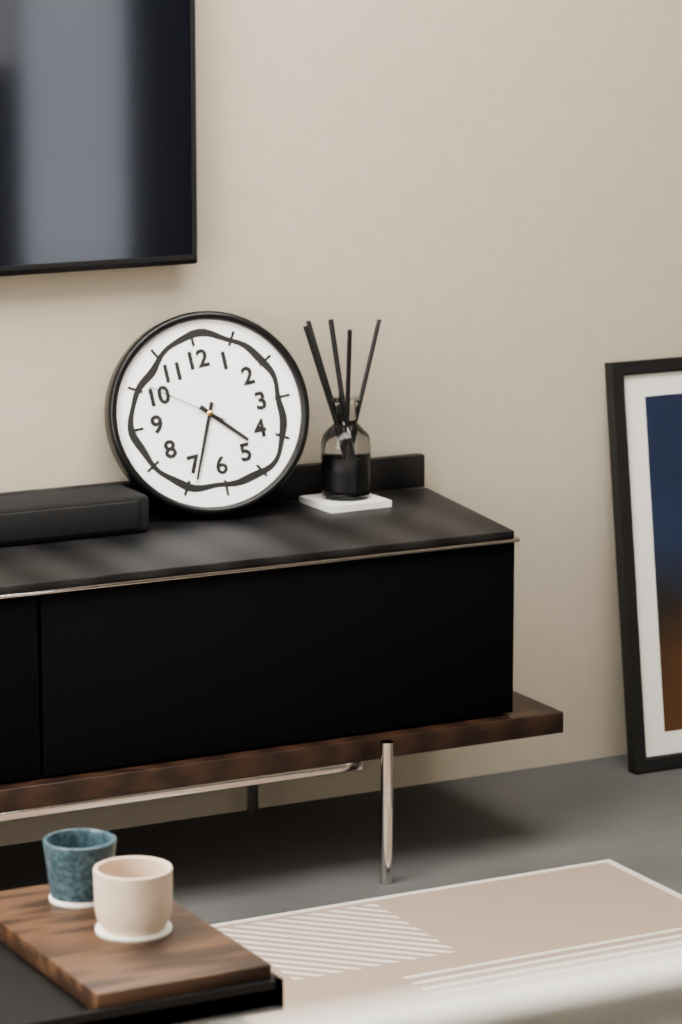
**4:34:51**
